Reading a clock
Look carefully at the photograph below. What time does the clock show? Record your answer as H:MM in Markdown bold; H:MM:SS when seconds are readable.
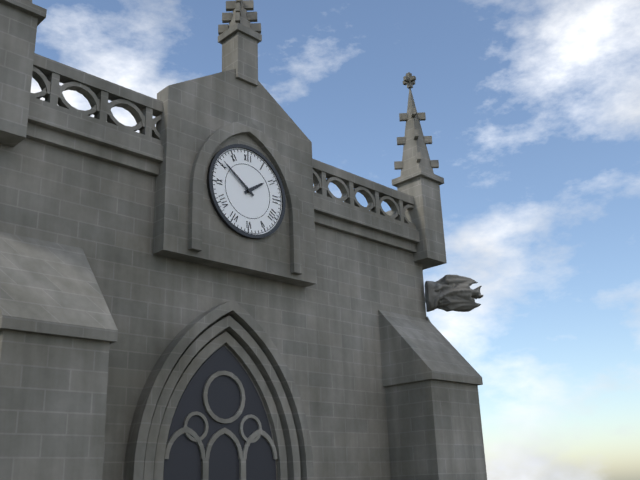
**1:51**
